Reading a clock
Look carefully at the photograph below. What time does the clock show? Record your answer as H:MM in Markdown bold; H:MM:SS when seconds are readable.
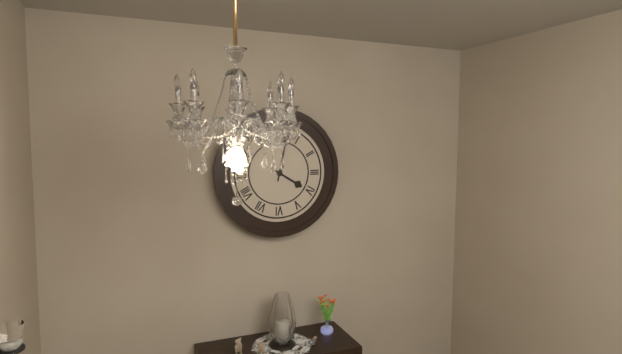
**4:02**
